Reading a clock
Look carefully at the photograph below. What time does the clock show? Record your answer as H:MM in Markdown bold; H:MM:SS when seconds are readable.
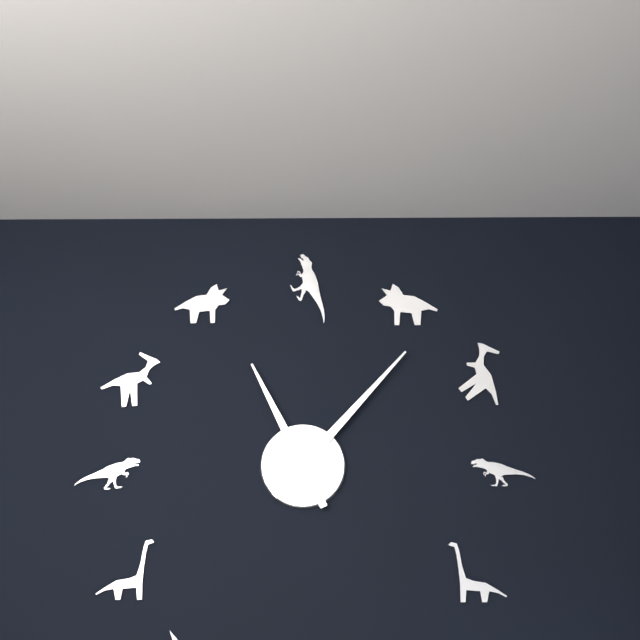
**11:07**
